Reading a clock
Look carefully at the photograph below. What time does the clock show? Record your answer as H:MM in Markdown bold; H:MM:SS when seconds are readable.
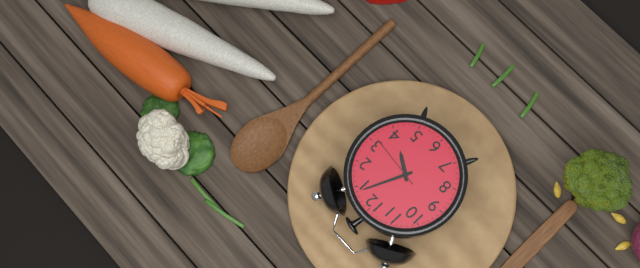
**4:04:16**
